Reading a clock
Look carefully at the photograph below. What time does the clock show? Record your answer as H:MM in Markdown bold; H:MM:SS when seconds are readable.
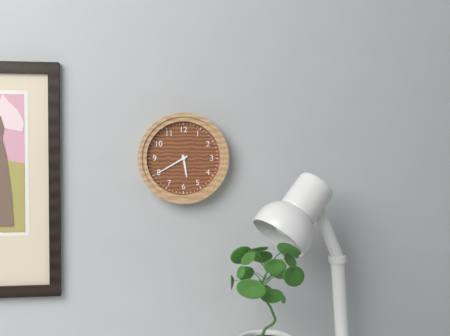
**5:40**
